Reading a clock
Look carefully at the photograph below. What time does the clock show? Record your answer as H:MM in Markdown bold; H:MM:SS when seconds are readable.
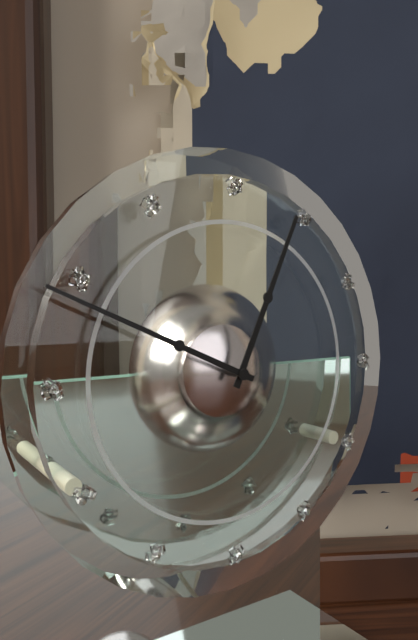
**12:49**
